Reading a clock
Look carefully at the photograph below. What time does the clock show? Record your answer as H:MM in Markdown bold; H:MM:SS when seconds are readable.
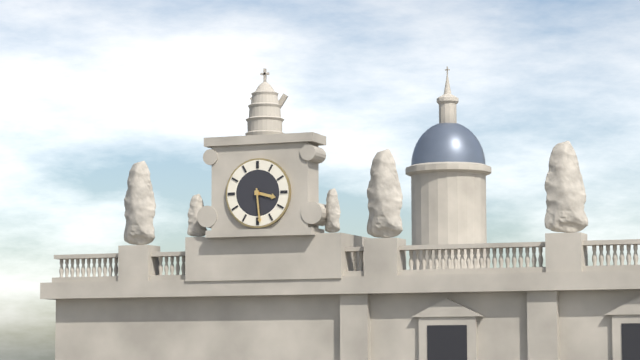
**3:29**
